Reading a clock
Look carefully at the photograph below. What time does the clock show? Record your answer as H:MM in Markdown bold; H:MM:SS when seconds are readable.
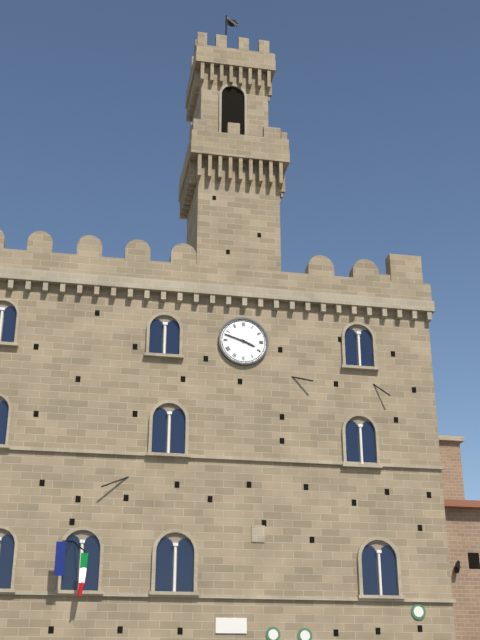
**3:48**
